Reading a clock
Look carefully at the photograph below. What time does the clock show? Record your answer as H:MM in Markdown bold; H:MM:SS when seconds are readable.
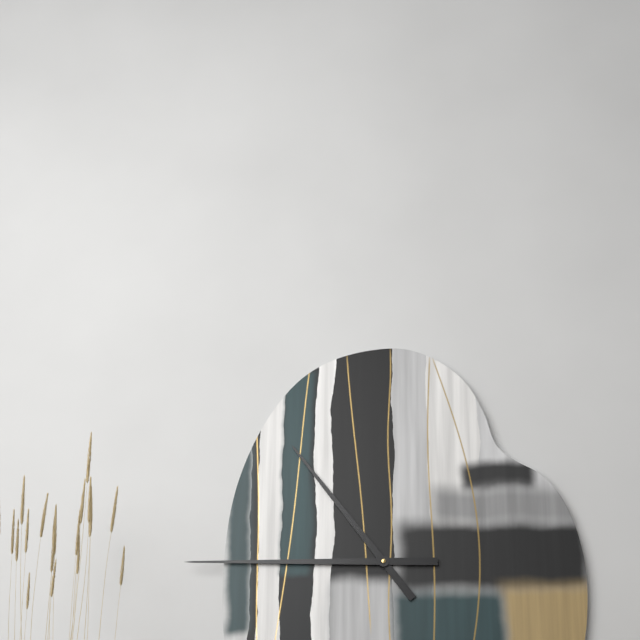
**10:45**
